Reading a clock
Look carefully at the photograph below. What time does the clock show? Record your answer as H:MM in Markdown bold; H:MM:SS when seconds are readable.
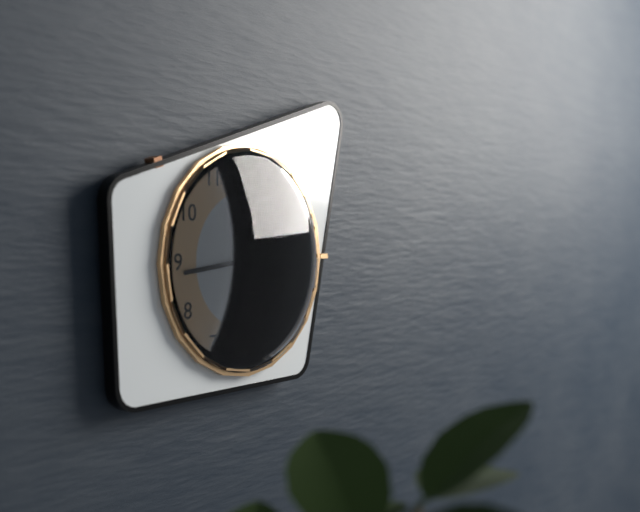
**5:44**
